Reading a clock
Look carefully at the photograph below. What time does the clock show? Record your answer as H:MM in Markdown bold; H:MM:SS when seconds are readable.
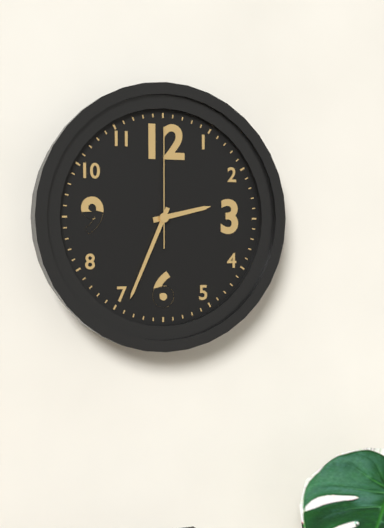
**2:34:00**
